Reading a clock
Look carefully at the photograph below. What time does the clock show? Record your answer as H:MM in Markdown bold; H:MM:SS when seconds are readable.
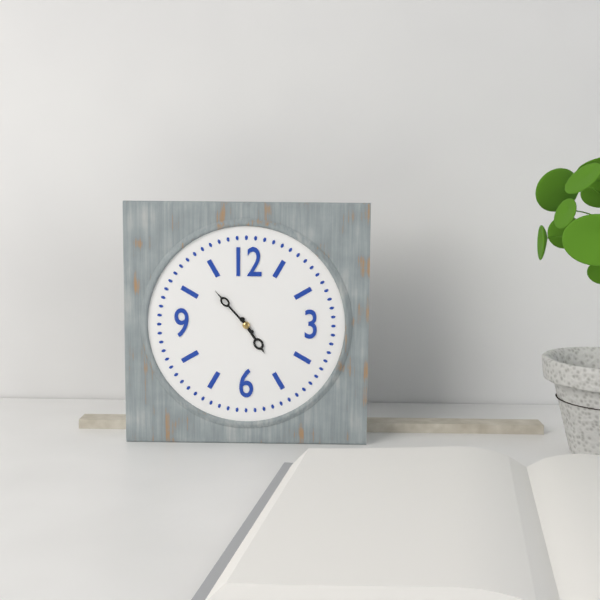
**4:53**
